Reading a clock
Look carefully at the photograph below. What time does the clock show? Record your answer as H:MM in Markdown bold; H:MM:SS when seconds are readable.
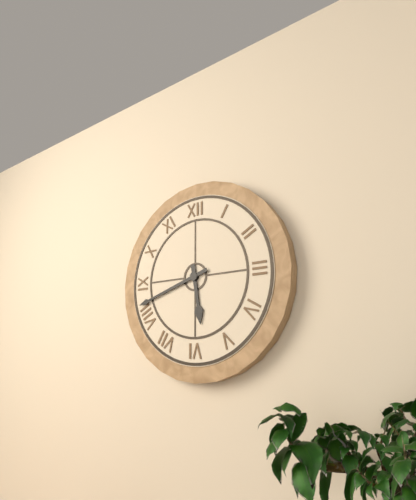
**5:42**
